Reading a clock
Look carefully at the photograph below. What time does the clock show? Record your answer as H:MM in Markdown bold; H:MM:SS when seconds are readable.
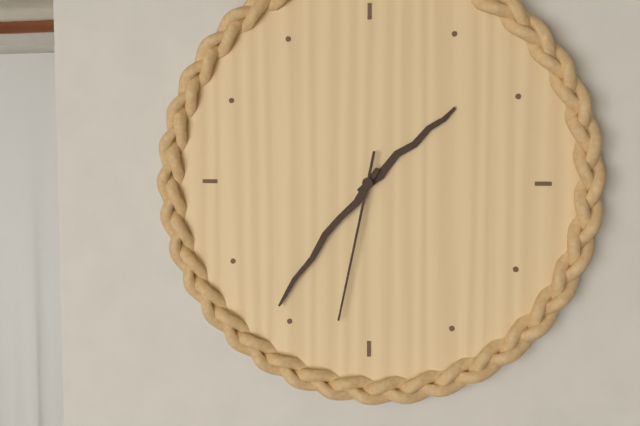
**1:36:32**
